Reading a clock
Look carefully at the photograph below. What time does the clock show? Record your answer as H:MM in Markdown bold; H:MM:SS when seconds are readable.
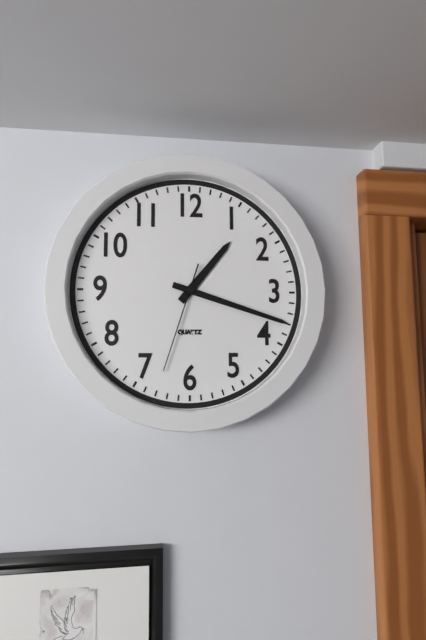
**1:18:33**
